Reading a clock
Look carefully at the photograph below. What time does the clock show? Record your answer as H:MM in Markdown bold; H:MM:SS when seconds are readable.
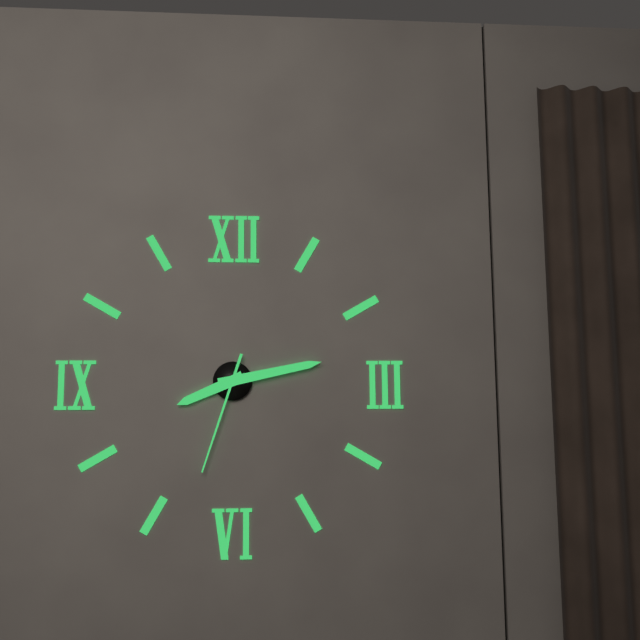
**8:13:33**
